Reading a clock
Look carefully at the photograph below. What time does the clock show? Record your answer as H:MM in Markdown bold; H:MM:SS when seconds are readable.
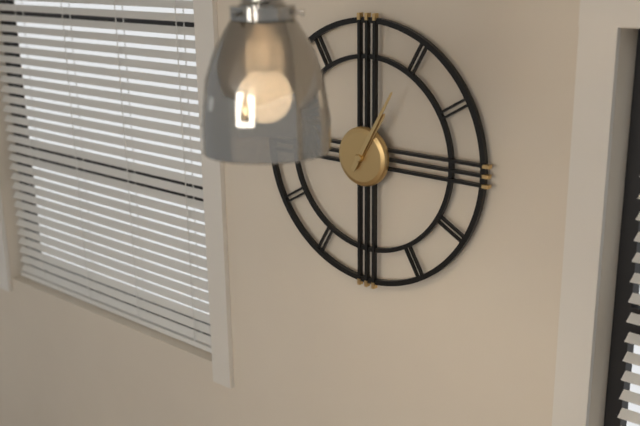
**1:05**
